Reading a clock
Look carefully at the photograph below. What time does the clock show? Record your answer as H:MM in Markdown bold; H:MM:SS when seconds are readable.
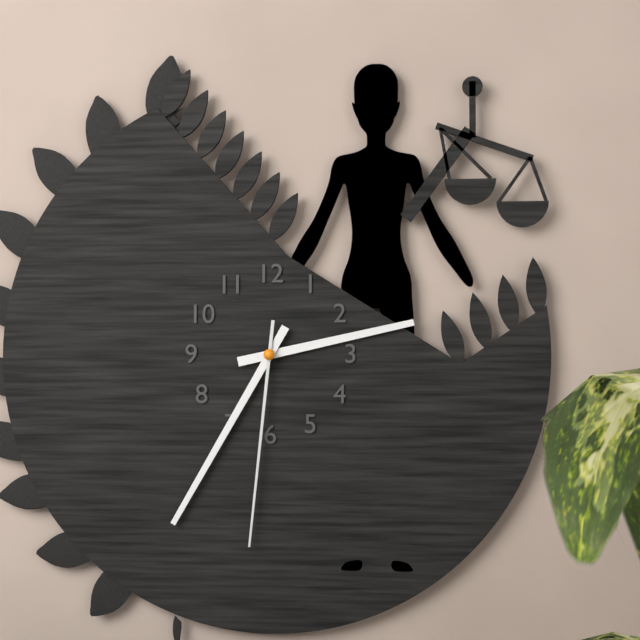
**2:35:31**
